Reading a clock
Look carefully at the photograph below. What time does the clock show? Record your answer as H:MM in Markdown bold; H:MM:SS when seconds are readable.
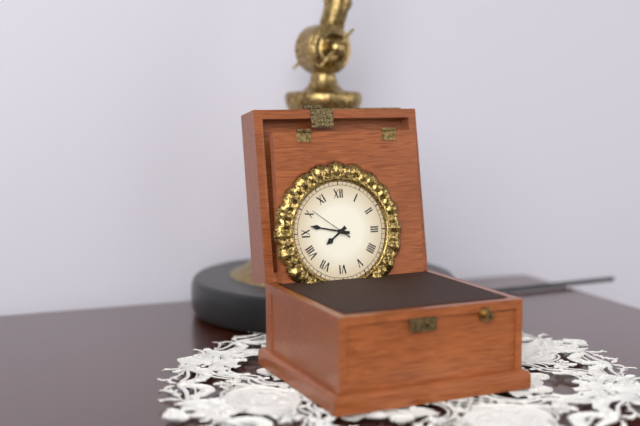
**7:47**
